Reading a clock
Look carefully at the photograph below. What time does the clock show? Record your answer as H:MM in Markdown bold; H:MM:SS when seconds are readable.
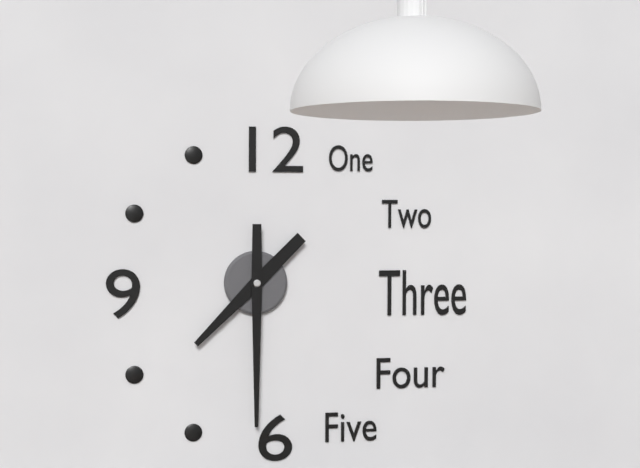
**7:30**
